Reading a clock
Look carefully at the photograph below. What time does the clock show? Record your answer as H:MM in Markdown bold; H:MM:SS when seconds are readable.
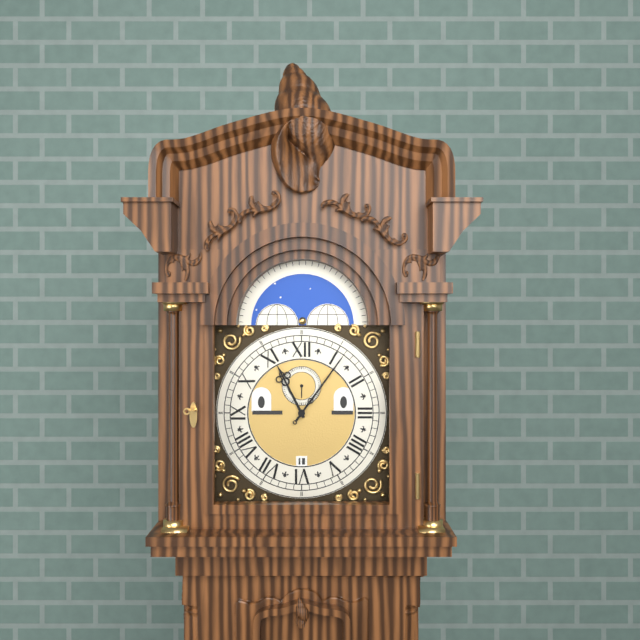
**11:06**
